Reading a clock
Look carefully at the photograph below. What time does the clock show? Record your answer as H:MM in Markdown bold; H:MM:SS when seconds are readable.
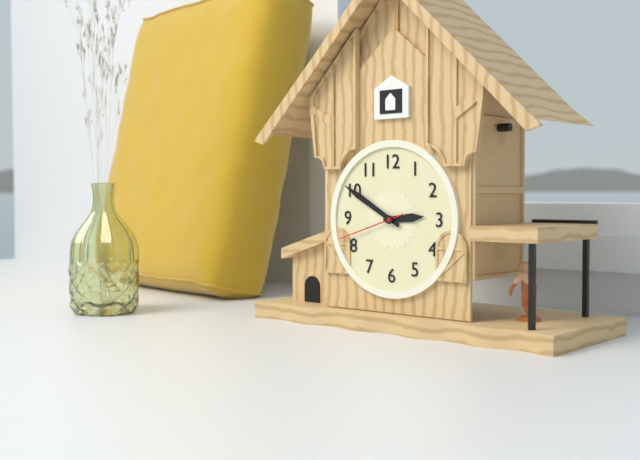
**2:50:42**
